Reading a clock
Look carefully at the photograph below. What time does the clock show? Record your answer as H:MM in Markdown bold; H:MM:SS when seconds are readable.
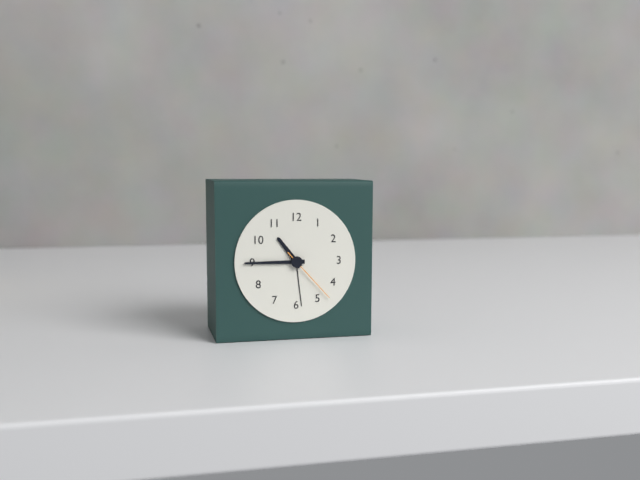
**10:45:23**
